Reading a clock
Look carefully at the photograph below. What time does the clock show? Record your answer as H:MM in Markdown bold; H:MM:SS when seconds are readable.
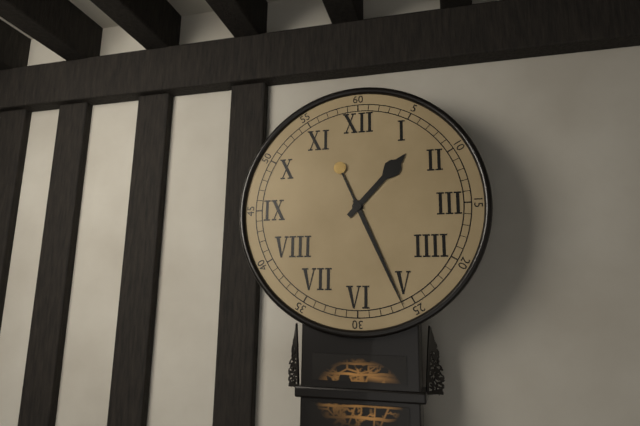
**1:26**
